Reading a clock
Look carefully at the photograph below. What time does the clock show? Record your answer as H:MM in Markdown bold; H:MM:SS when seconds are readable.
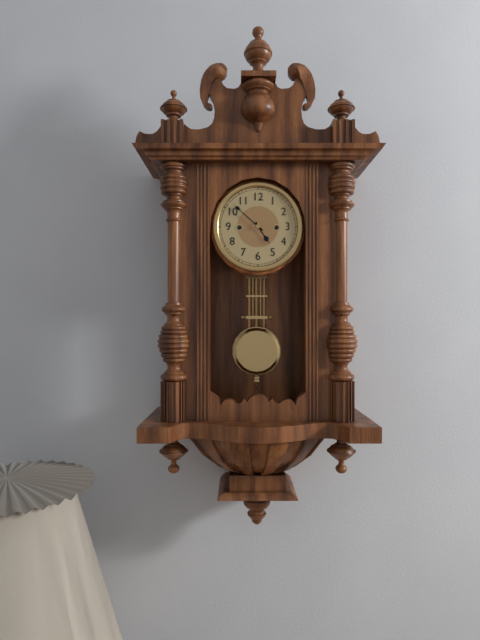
**4:52**
